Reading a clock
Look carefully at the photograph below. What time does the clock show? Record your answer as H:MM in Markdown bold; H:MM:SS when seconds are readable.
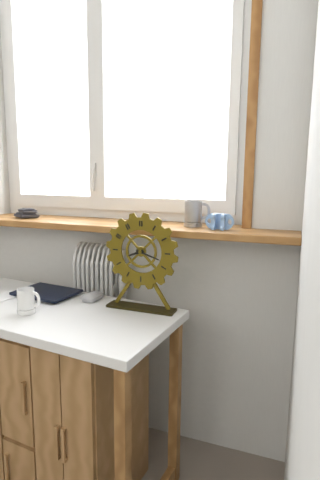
**8:18**
